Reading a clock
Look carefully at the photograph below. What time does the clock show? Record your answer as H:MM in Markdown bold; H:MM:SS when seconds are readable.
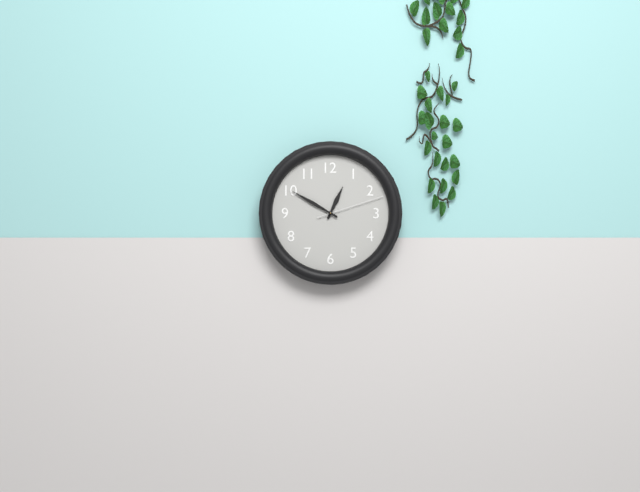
**12:50:12**
